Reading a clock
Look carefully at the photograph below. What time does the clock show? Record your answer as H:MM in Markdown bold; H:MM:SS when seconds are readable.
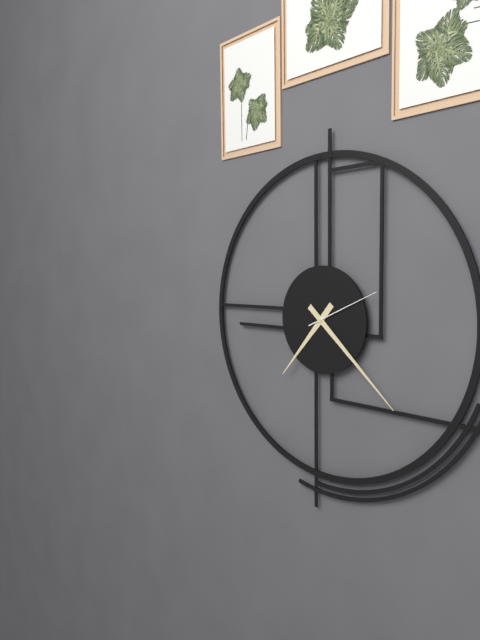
**7:22:11**
